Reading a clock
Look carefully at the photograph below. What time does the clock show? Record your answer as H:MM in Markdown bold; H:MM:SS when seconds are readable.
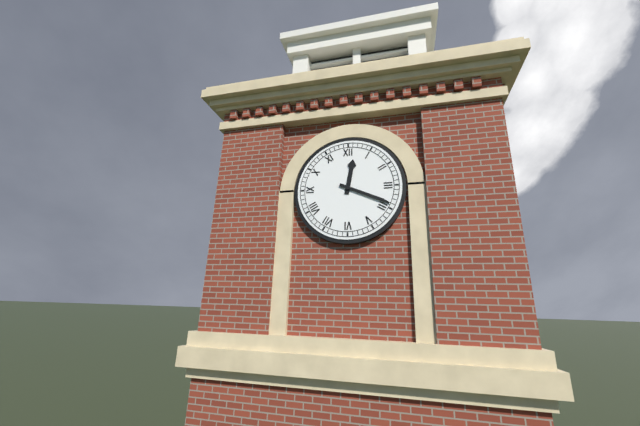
**12:19**
